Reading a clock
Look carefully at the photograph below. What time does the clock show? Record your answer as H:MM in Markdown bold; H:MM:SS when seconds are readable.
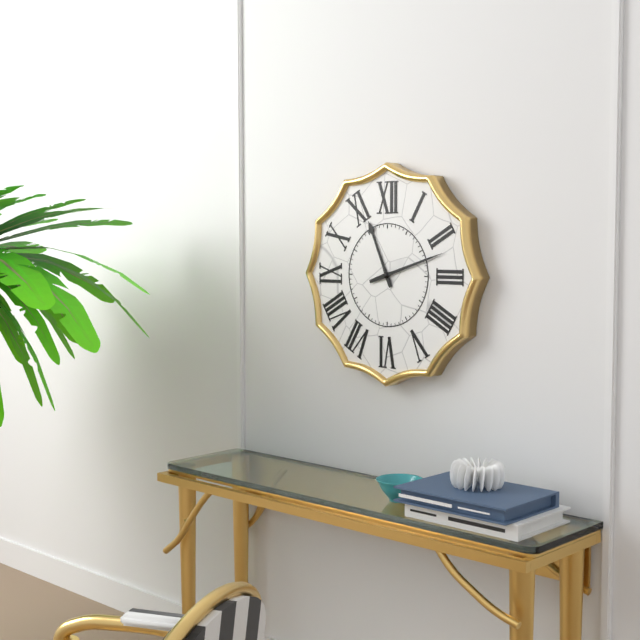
**11:12**
